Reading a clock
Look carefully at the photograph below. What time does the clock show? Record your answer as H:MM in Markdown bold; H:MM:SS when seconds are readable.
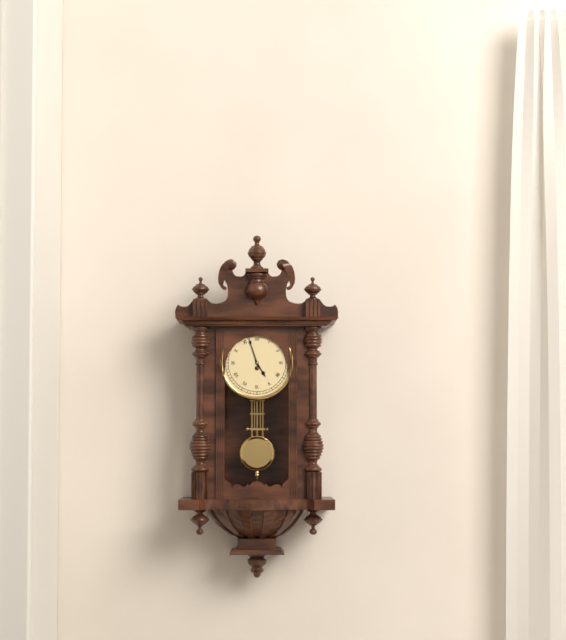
**4:57**
